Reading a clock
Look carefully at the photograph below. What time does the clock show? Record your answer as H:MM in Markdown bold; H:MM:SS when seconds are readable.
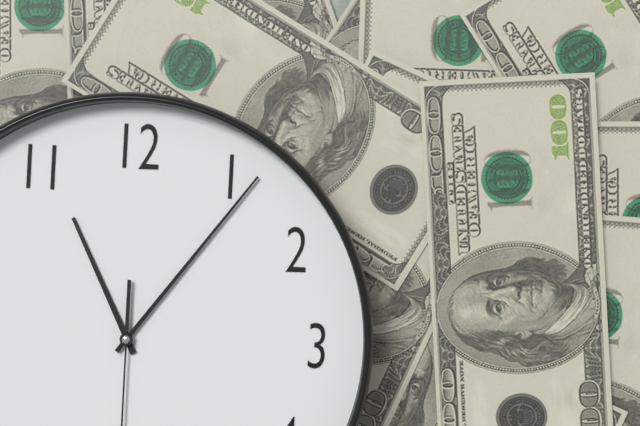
**11:06**
